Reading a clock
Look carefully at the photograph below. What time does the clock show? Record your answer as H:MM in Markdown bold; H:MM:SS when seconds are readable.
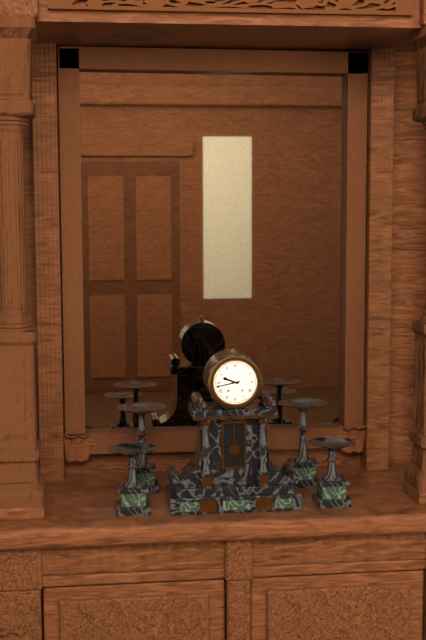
**9:43**
